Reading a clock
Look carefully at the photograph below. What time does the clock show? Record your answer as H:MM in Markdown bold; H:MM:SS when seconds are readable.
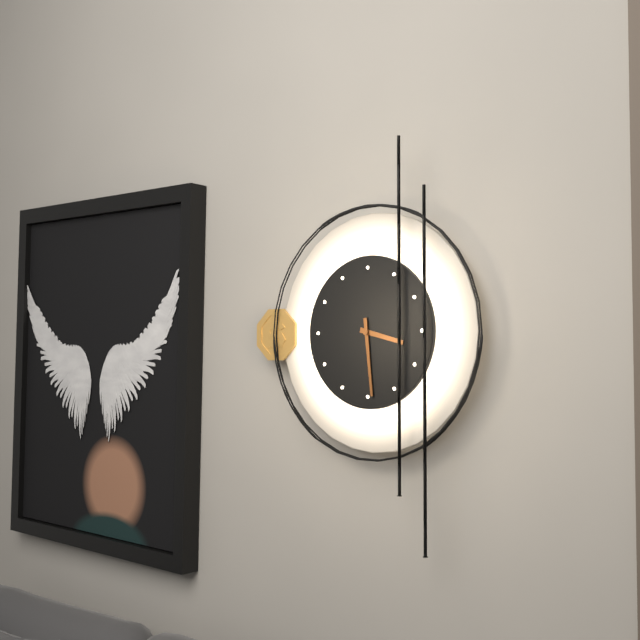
**3:29**
